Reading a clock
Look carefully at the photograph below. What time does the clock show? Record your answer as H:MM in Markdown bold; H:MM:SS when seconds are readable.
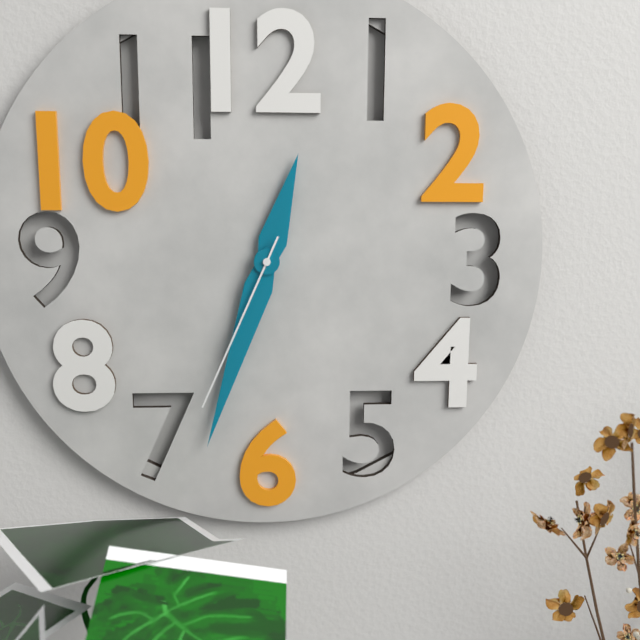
**12:33:34**
